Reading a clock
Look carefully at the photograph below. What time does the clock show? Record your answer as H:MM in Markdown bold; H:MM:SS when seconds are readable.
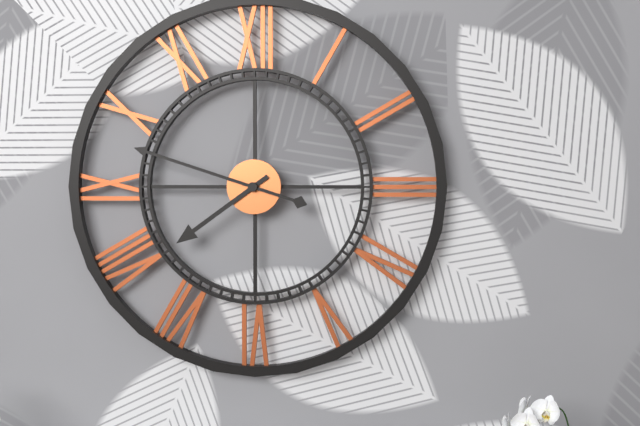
**7:48**
